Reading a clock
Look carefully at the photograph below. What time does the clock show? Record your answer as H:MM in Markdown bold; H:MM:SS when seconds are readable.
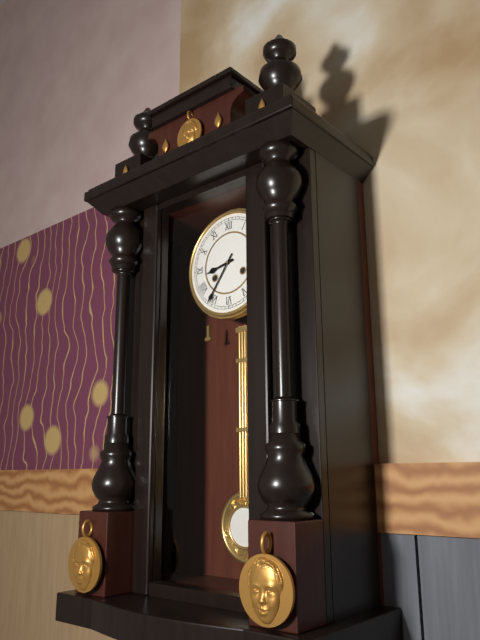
**8:36**
